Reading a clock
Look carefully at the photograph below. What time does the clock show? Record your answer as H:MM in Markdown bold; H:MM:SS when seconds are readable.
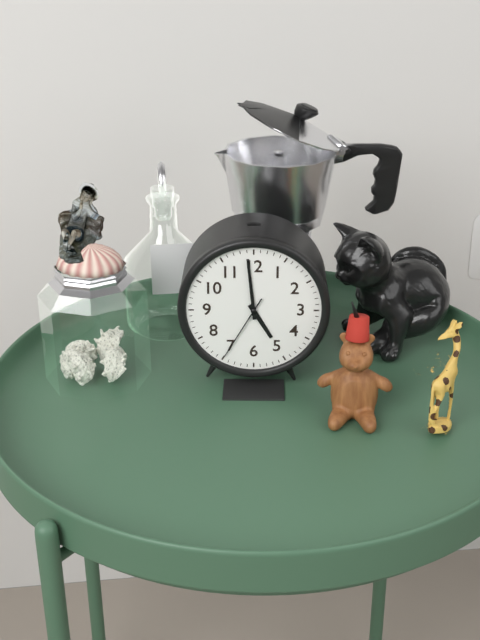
**4:59:35**
